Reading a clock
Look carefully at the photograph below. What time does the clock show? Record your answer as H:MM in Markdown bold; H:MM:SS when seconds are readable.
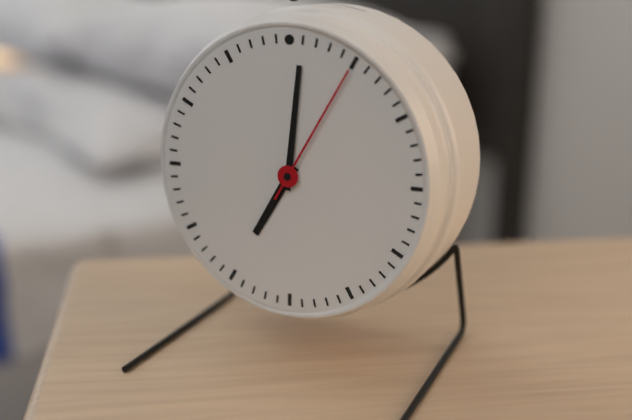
**7:01:05**
